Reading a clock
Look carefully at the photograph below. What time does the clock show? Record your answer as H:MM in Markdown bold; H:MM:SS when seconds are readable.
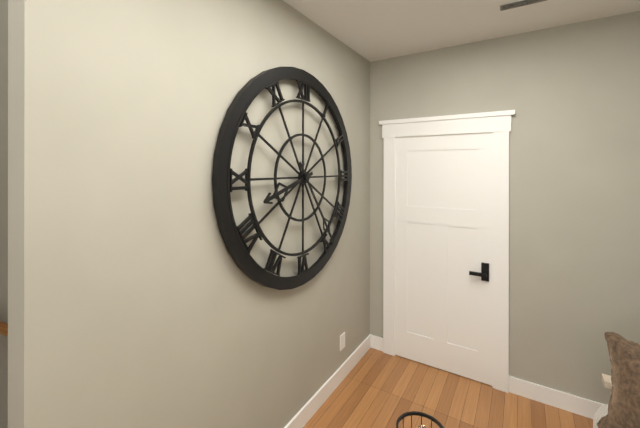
**8:24**
